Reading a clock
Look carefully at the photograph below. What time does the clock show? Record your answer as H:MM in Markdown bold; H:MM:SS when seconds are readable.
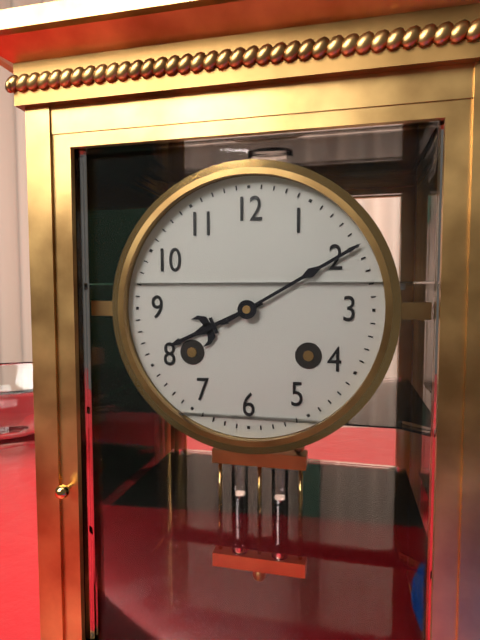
**8:10**
